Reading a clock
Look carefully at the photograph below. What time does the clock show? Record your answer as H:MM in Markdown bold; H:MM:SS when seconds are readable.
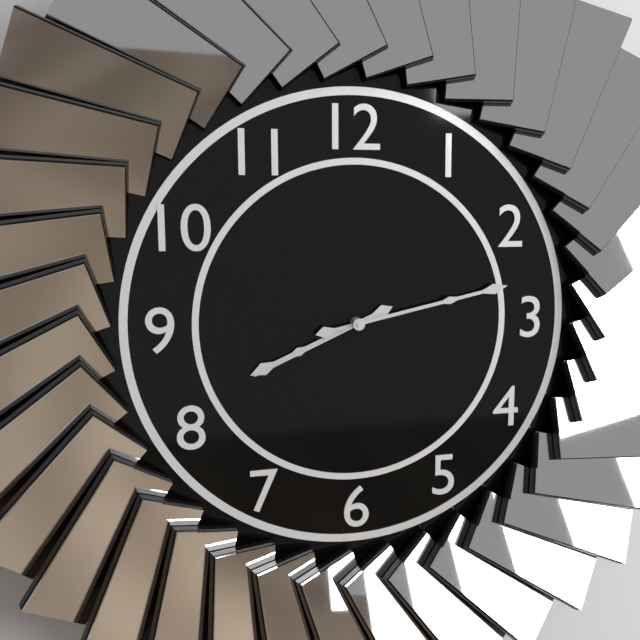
**8:13:41**
